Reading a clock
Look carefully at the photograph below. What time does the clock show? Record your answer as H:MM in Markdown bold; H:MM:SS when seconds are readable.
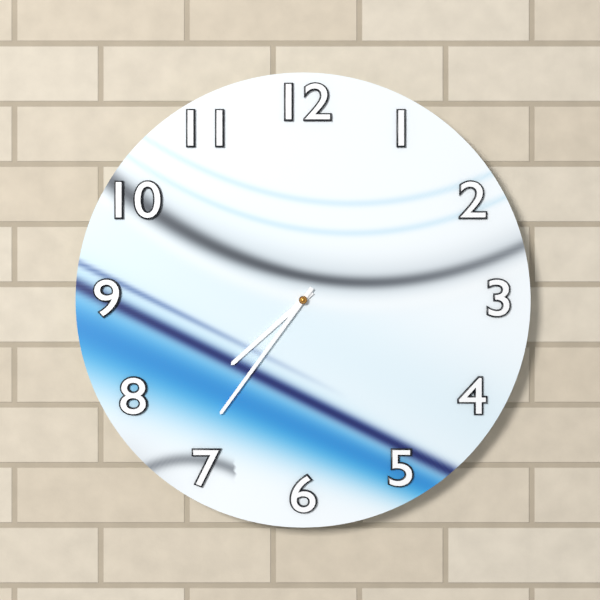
**7:36**
